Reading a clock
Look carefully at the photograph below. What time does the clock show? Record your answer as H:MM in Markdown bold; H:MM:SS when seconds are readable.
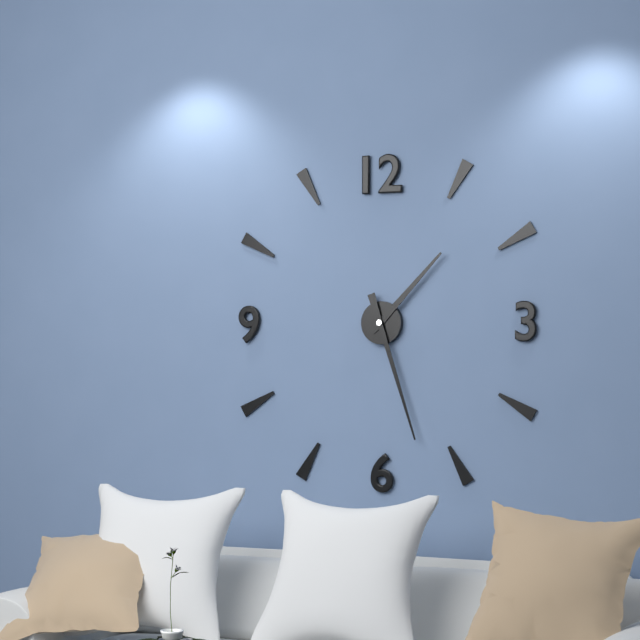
**1:27**
